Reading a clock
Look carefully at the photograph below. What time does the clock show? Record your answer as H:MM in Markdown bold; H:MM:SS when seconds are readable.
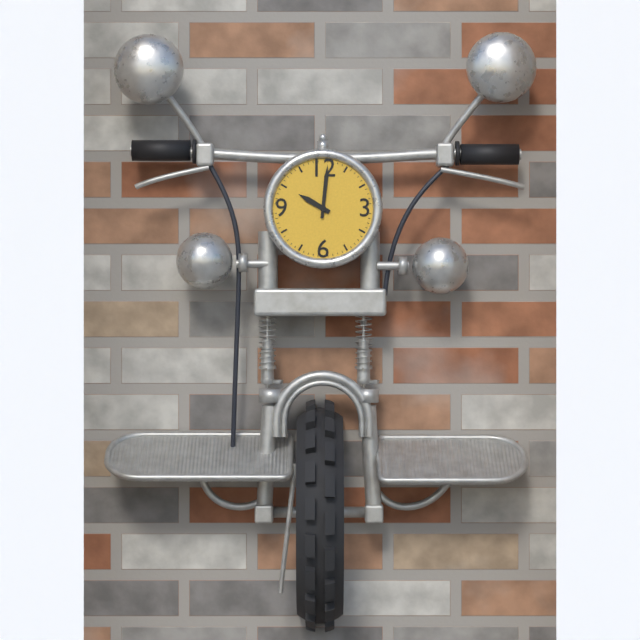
**10:01**
